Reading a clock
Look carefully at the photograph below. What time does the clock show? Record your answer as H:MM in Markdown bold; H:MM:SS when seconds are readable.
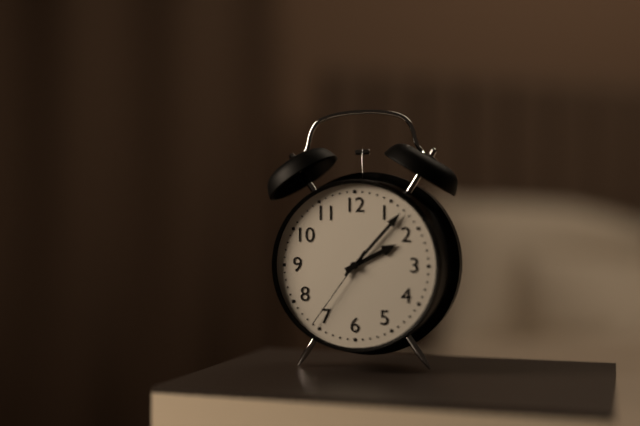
**2:07:36**
